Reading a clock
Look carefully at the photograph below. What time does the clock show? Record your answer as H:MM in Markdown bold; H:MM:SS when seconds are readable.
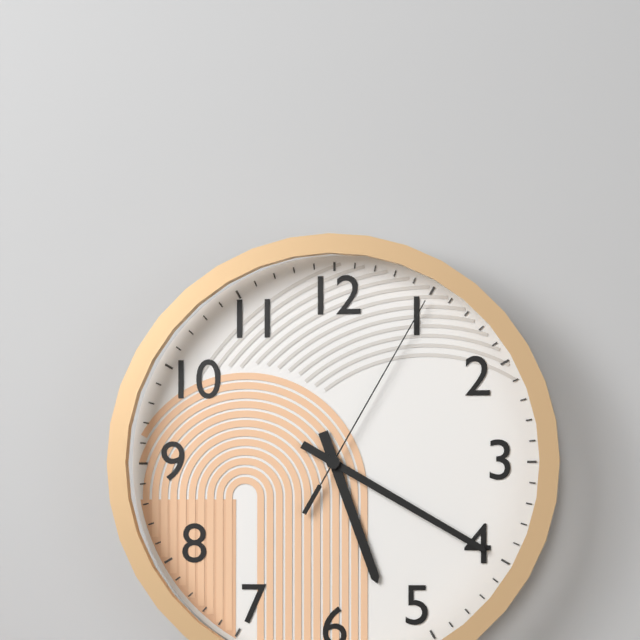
**5:20:05**
